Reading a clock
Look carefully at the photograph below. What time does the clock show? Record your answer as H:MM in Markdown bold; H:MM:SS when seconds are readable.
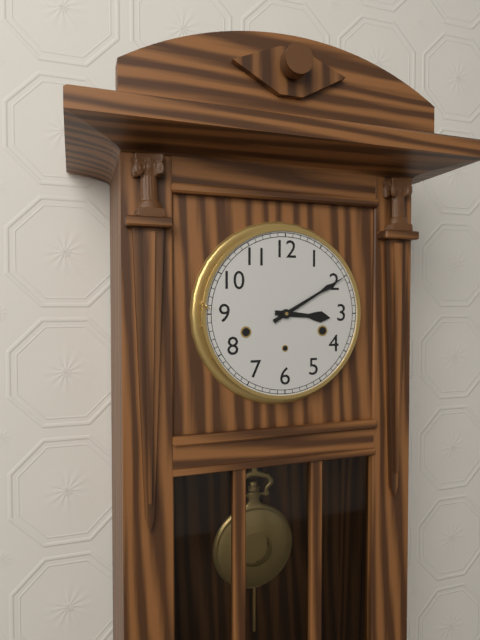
**3:10**
